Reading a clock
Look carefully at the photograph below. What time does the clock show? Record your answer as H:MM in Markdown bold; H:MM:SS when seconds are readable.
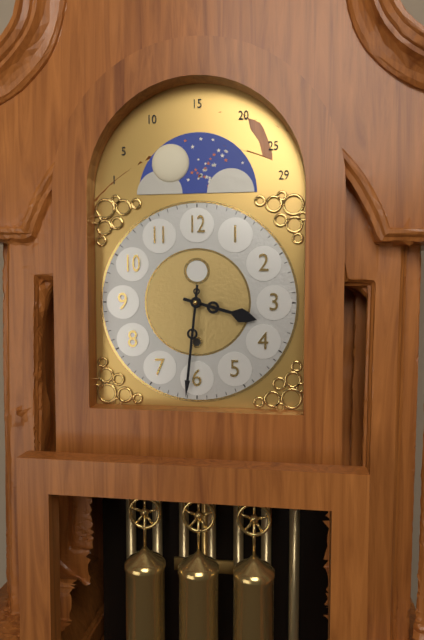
**3:31**
